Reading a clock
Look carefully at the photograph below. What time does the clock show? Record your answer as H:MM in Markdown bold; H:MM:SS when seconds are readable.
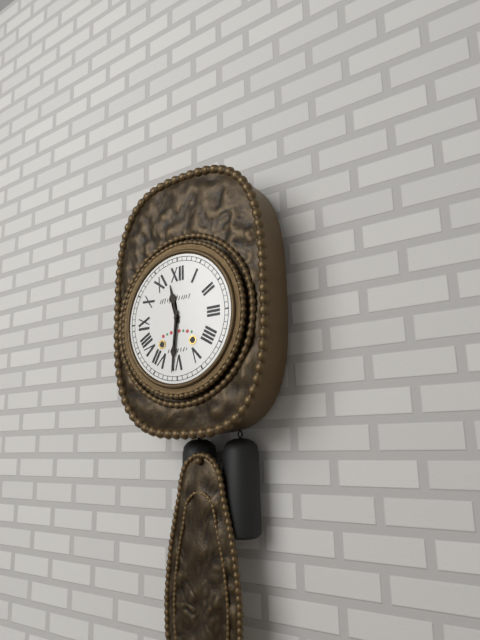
**11:31**
